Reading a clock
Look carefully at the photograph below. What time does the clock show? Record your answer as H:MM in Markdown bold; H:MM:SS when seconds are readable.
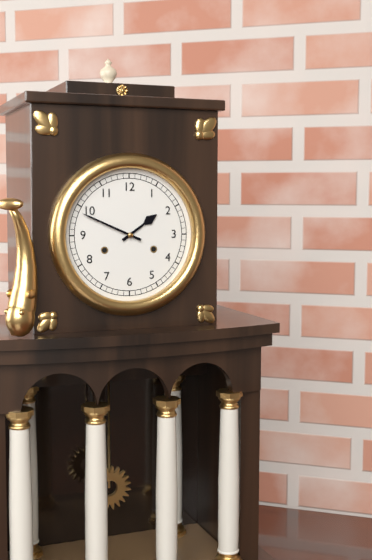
**1:49**
